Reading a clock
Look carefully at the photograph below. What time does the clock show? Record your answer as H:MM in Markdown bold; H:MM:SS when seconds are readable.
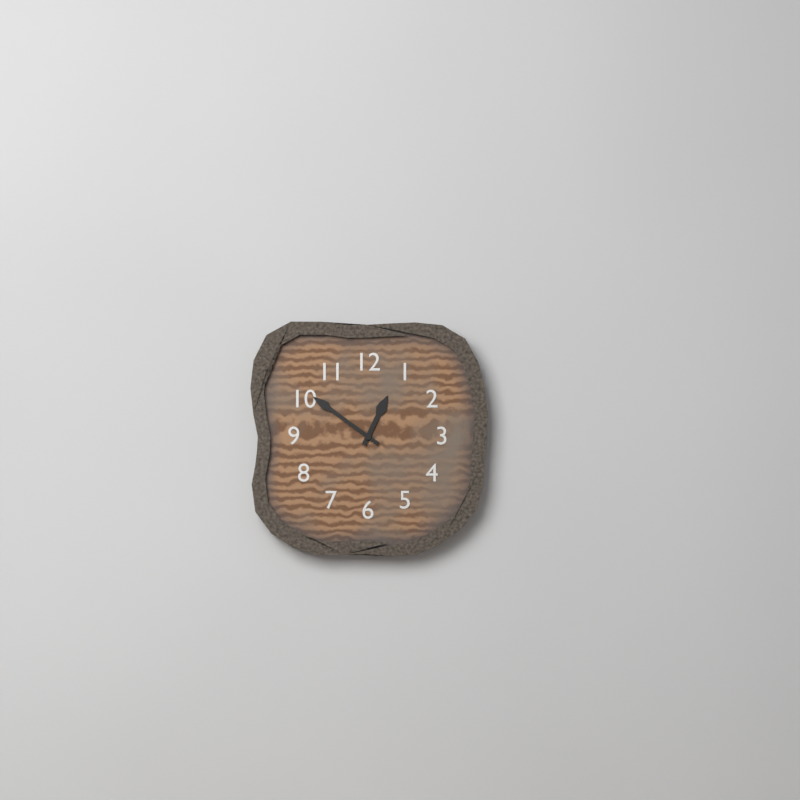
**12:51**
